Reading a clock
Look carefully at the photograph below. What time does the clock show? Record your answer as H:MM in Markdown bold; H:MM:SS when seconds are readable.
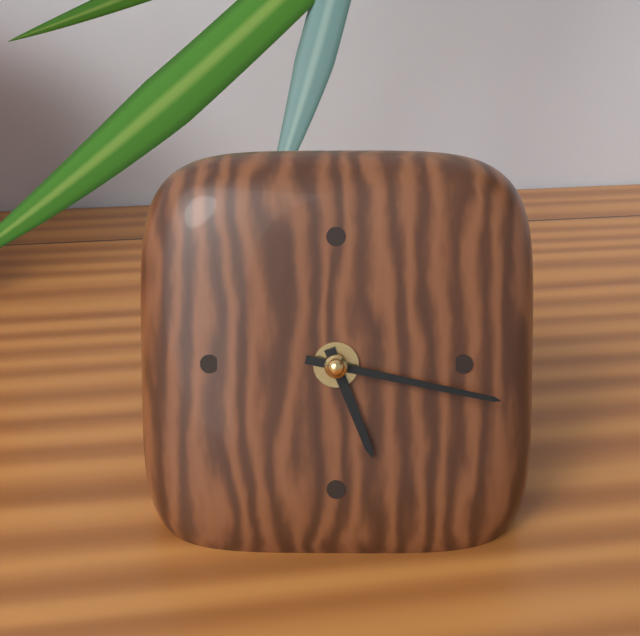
**5:17**
